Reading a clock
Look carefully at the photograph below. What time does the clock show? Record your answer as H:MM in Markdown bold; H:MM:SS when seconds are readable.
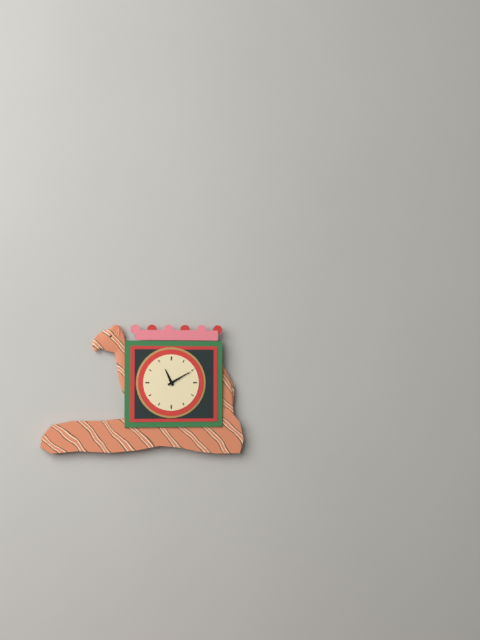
**11:10**
